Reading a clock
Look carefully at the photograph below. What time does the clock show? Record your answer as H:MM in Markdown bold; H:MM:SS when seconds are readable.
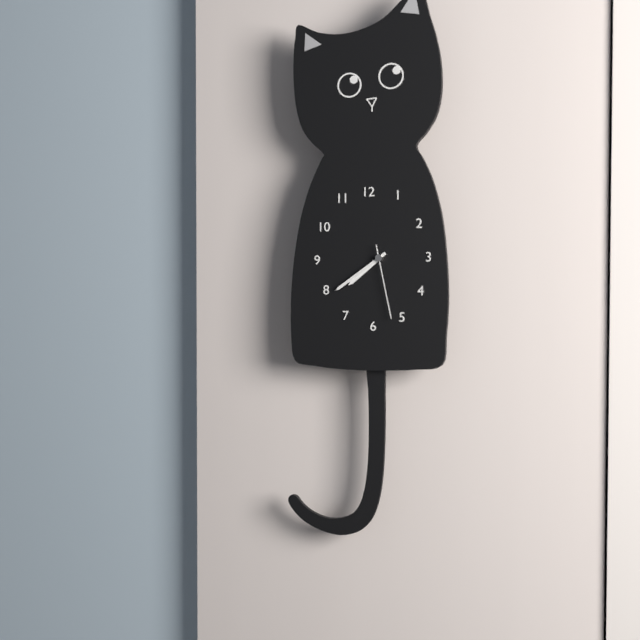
**7:39:28**
